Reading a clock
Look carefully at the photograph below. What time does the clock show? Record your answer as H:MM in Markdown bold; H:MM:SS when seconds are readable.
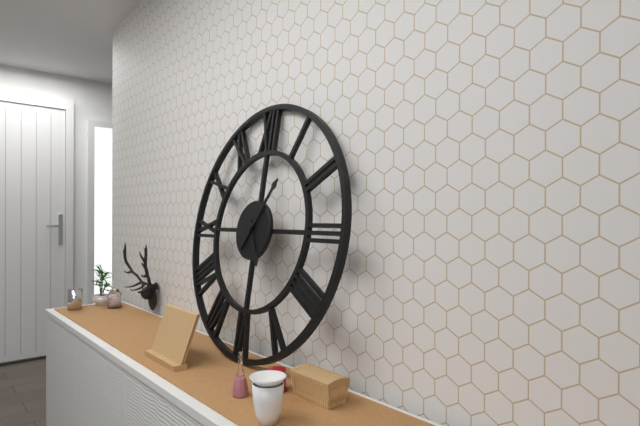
**5:06**
